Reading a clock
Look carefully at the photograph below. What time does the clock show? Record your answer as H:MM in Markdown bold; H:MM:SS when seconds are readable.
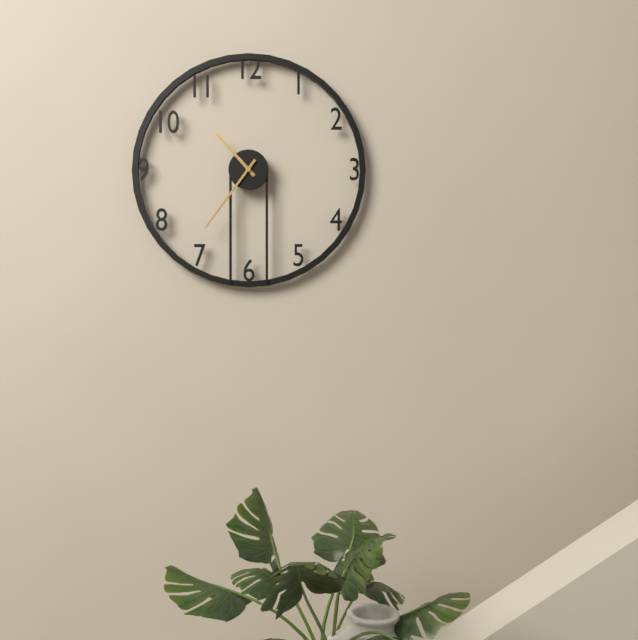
**10:36**
